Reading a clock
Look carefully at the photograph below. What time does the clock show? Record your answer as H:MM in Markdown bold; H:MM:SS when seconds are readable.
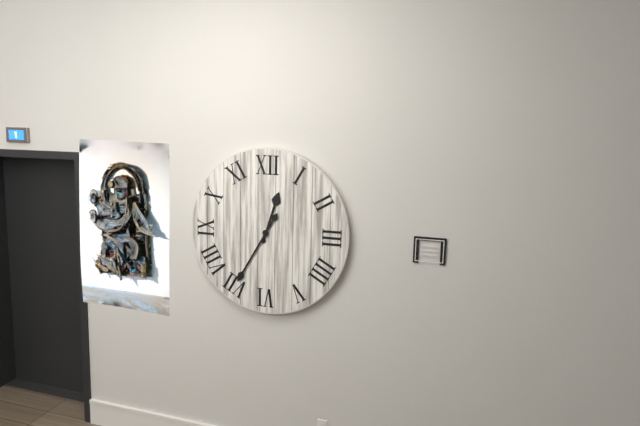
**12:35**
